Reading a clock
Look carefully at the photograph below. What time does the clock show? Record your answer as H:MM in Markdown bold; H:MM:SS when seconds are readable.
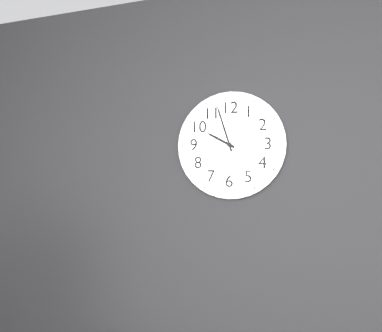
**9:57**
